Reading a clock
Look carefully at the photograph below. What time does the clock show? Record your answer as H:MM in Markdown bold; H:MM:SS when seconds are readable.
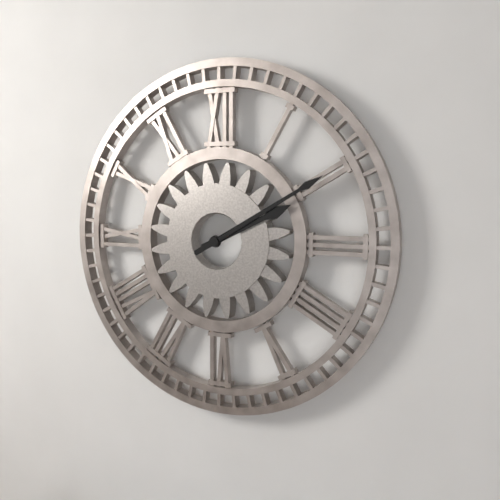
**2:10**
